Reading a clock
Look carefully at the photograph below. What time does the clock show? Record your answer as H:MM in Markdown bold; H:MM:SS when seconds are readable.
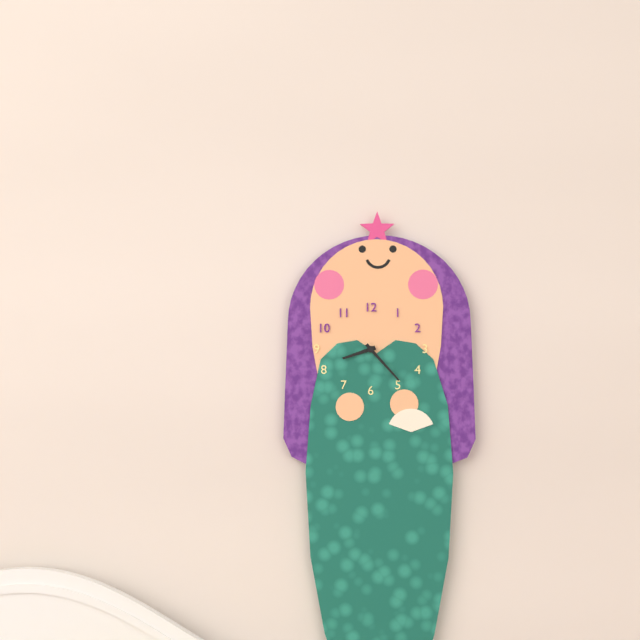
**8:23**
